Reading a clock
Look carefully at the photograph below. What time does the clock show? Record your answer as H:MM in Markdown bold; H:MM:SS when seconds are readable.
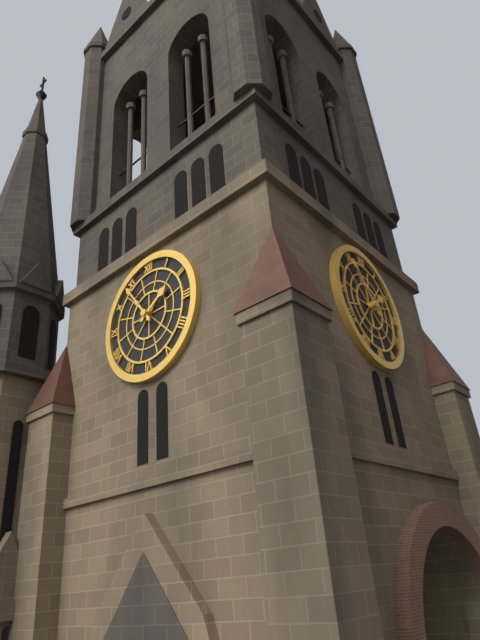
**1:54**
